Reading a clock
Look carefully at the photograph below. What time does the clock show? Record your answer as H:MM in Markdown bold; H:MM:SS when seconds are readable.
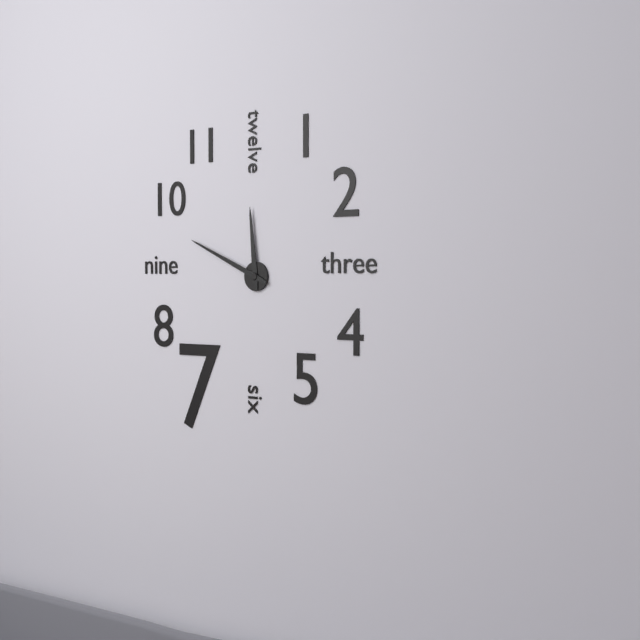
**11:49**
